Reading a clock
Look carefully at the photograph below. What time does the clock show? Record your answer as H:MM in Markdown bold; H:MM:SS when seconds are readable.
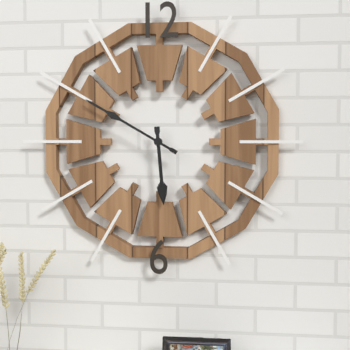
**5:50**
